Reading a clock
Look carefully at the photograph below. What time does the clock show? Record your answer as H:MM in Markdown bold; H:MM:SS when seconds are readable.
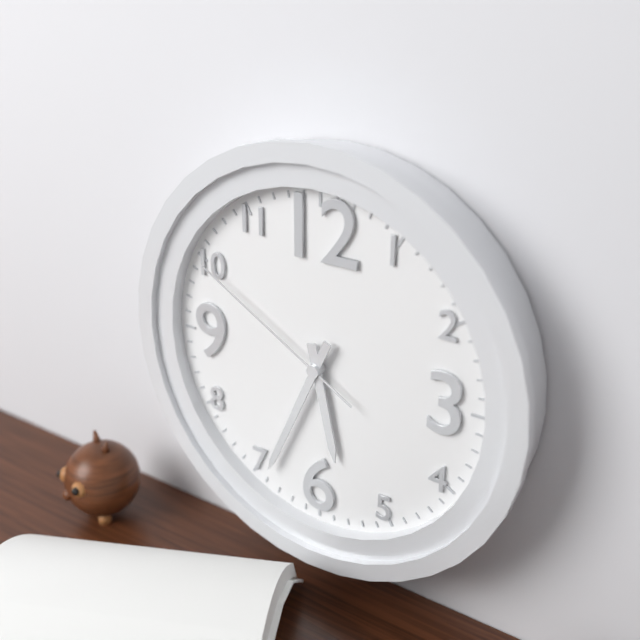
**5:34:50**
